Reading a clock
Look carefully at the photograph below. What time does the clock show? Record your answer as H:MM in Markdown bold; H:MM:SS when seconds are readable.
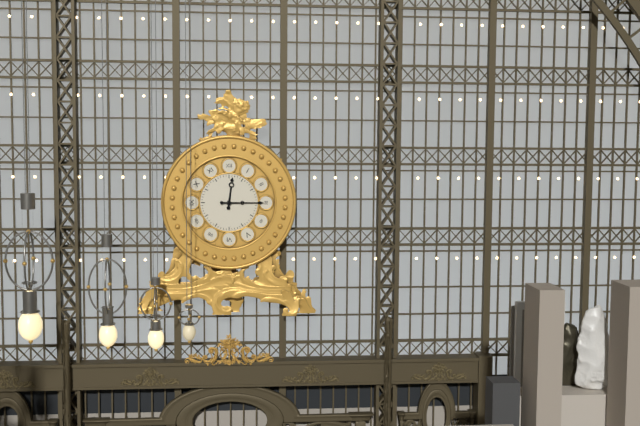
**12:15**
